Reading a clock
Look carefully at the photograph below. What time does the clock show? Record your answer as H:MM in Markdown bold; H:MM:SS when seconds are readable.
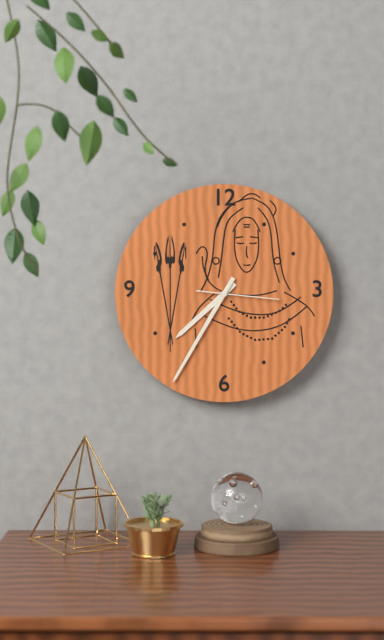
**7:35:16**
